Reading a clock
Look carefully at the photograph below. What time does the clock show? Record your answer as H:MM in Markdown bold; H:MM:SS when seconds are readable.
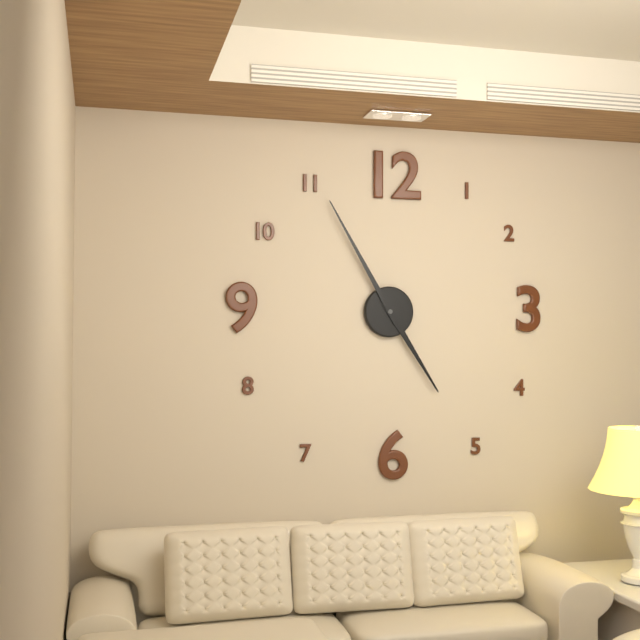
**4:55**
